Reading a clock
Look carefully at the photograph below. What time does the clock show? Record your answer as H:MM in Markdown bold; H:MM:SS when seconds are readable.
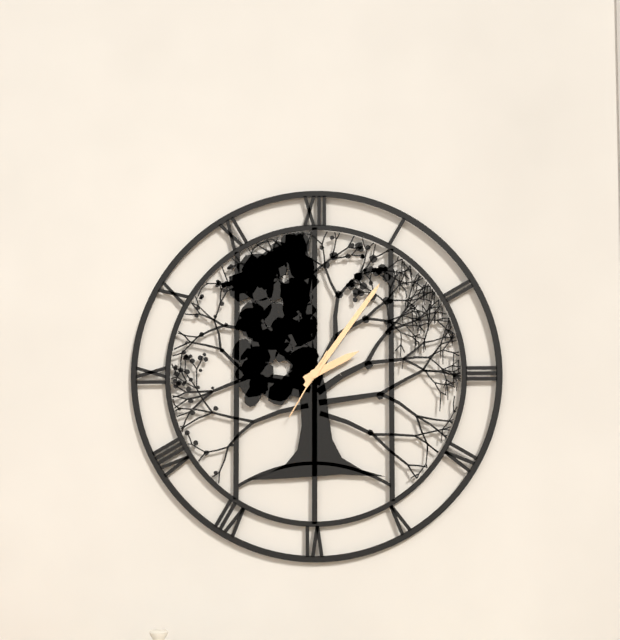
**2:06:35**
